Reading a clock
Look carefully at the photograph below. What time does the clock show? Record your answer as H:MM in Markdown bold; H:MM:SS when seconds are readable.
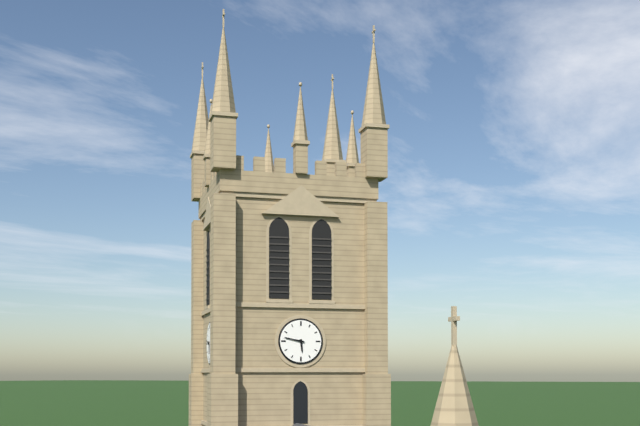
**5:47**
